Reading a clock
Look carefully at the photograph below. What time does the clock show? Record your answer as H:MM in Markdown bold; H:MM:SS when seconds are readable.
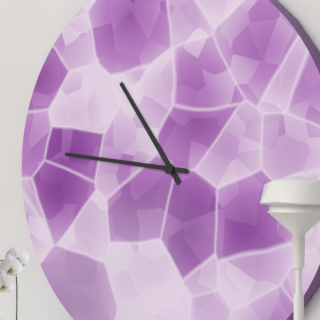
**10:46**
